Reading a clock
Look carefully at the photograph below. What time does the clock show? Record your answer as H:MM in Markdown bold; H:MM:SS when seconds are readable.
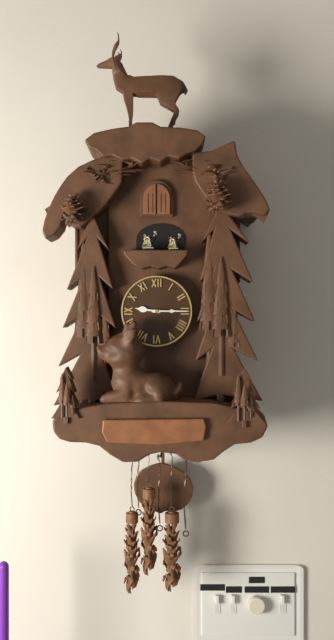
**9:15**
